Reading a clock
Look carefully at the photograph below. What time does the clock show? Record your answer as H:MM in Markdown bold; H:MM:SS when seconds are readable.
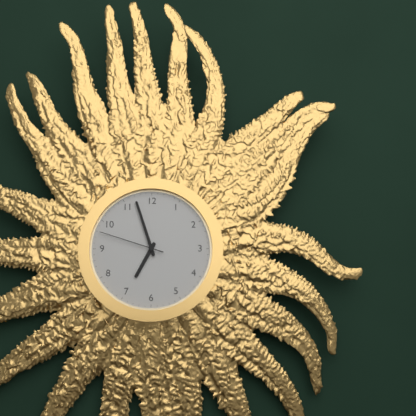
**6:57:48**
